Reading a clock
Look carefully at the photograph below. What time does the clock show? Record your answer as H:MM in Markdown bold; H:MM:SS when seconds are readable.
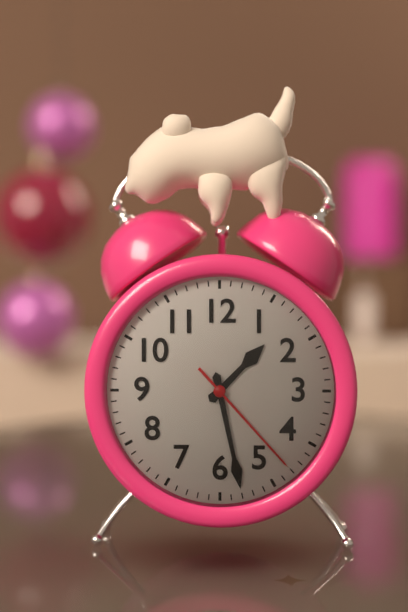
**1:28:23**
